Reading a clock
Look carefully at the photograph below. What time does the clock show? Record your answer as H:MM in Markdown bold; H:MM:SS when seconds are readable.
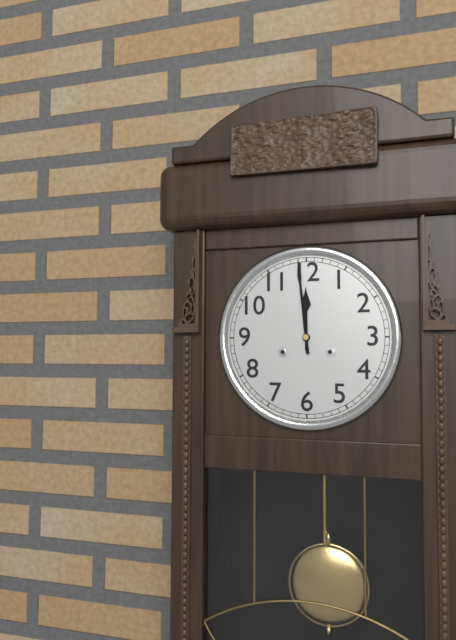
**11:59**
